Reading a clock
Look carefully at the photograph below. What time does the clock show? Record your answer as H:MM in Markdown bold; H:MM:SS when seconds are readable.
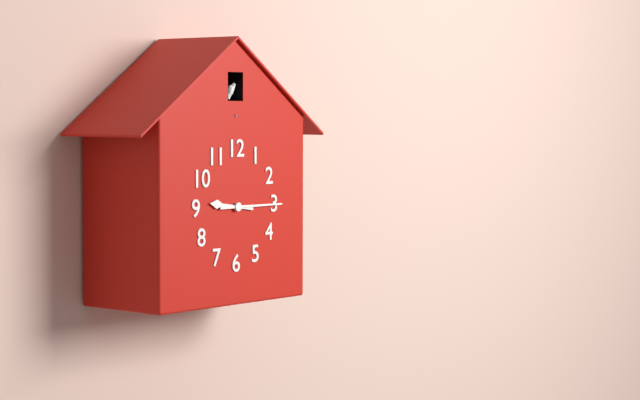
**9:15**
